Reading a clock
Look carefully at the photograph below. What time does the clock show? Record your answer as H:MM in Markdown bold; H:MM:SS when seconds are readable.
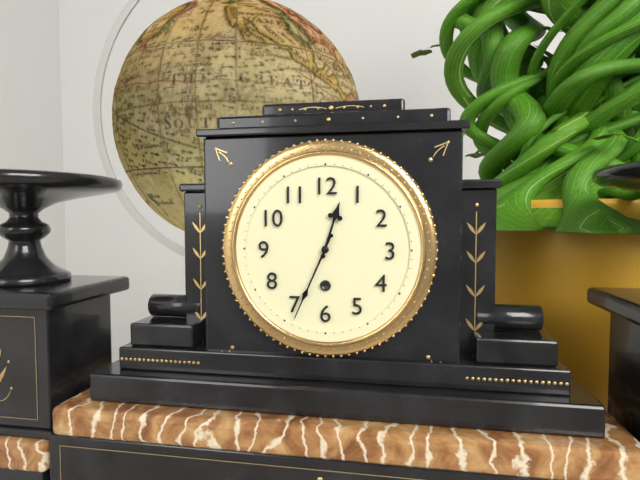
**12:34**
